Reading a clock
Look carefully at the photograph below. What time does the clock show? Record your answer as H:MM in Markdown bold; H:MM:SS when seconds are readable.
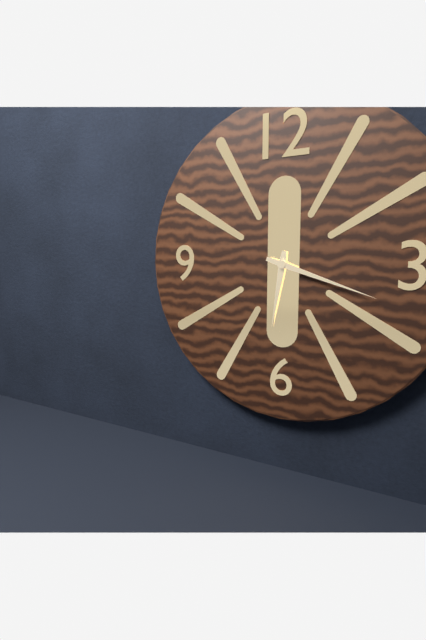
**6:18**
